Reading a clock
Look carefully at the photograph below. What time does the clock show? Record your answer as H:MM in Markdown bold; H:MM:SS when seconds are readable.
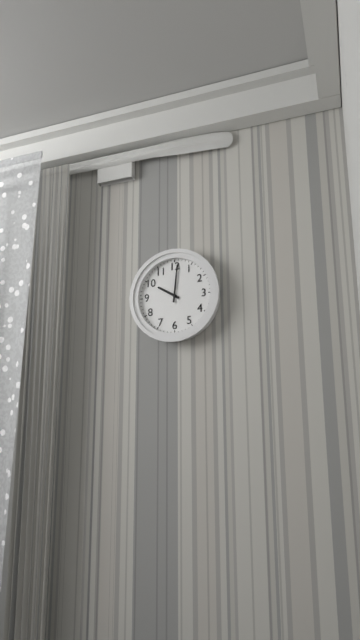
**10:01**
